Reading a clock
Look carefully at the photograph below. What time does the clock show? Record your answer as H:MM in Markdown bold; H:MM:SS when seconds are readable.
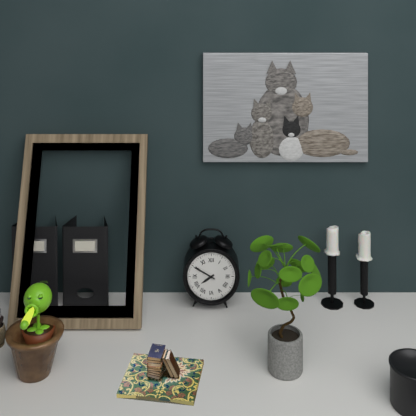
**7:50**
